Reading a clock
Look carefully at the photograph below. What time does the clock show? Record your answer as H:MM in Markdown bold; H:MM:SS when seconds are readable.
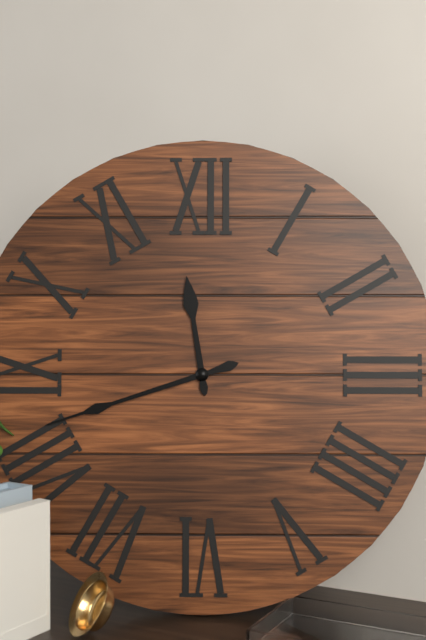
**11:42**
